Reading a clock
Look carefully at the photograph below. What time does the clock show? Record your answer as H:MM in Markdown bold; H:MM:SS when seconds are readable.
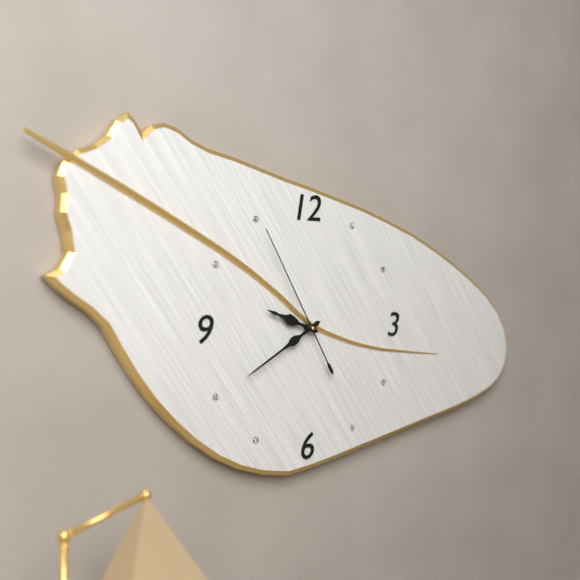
**9:40:55**
